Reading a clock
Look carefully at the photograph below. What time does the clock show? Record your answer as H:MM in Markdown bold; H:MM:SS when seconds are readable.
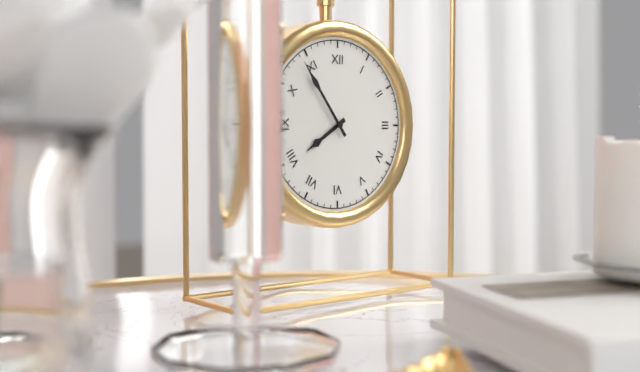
**7:54**
